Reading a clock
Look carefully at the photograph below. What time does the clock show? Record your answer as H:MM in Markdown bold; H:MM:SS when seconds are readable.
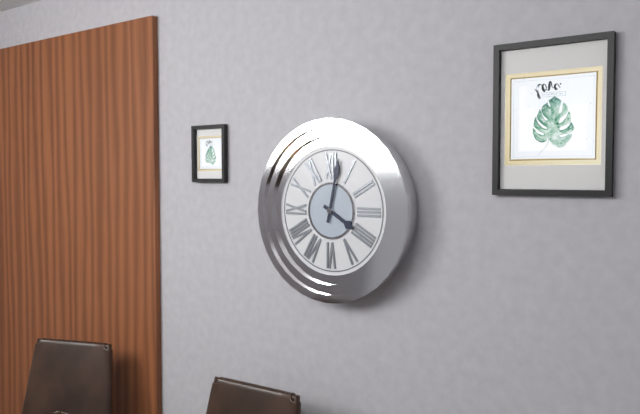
**4:02**
